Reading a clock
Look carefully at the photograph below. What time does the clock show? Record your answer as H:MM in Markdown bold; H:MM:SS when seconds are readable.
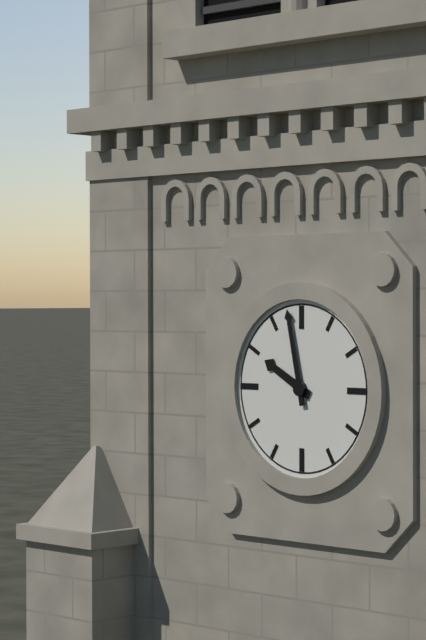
**9:58**
